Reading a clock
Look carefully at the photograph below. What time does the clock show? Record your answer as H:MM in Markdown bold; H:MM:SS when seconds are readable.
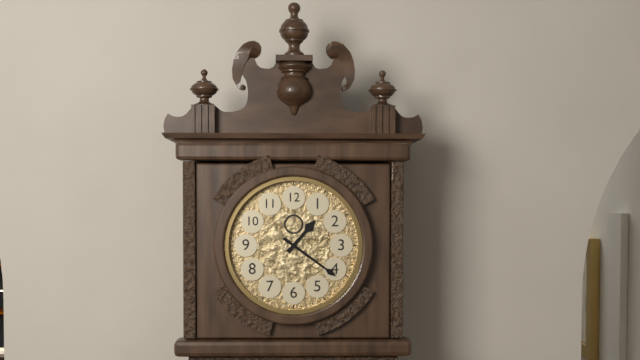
**1:21**
